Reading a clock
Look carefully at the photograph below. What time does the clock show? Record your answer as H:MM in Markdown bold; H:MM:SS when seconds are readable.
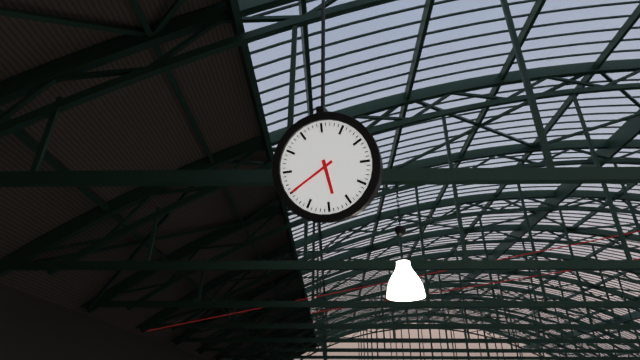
**5:40**
